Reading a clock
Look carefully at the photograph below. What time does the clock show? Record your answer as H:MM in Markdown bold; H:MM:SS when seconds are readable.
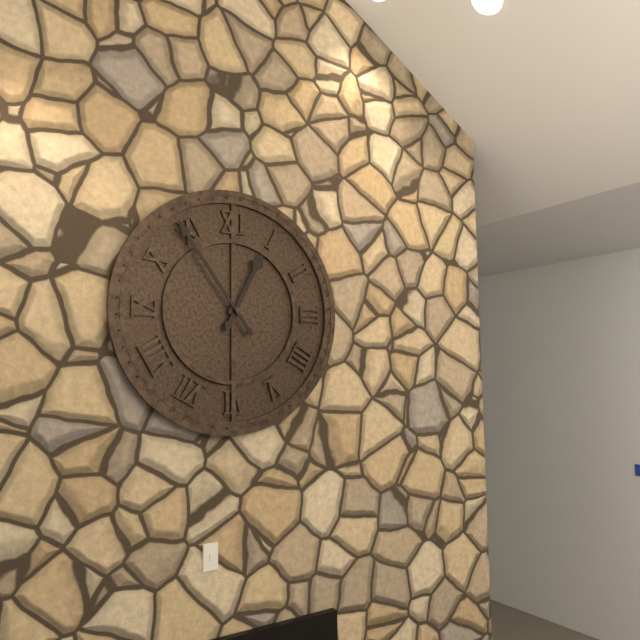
**12:54**
